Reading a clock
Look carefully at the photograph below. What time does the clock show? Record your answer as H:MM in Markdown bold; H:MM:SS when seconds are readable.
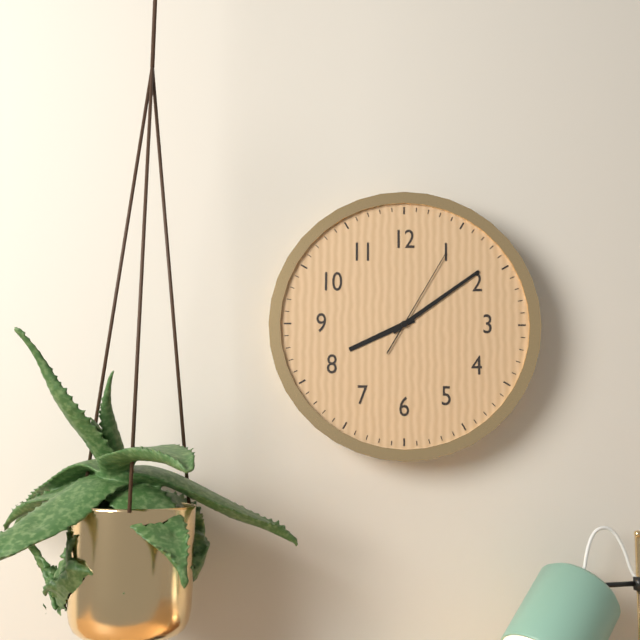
**8:09:05**
